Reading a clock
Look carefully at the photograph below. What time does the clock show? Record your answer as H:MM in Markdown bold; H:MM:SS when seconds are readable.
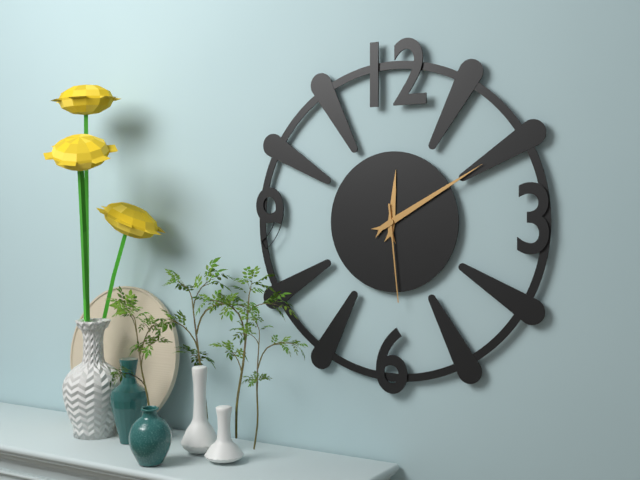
**12:10:29**
